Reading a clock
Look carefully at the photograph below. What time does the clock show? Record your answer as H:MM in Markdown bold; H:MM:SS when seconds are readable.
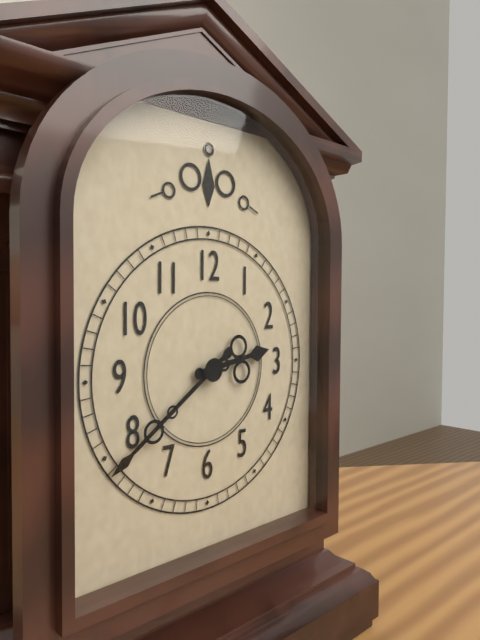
**2:39**
